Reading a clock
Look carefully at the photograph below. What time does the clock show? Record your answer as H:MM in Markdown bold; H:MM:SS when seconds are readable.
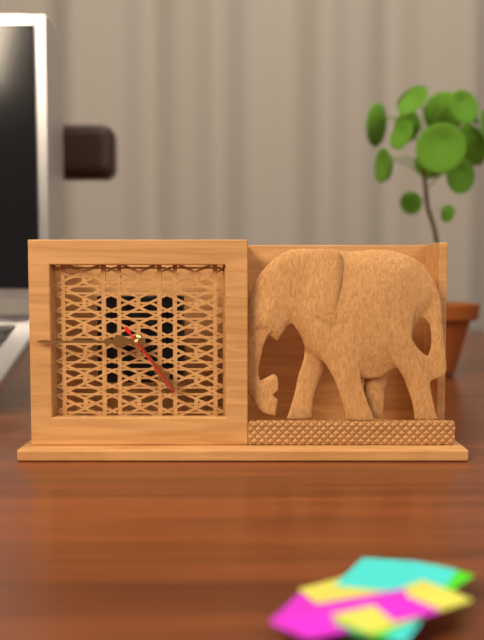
**4:45:24**
